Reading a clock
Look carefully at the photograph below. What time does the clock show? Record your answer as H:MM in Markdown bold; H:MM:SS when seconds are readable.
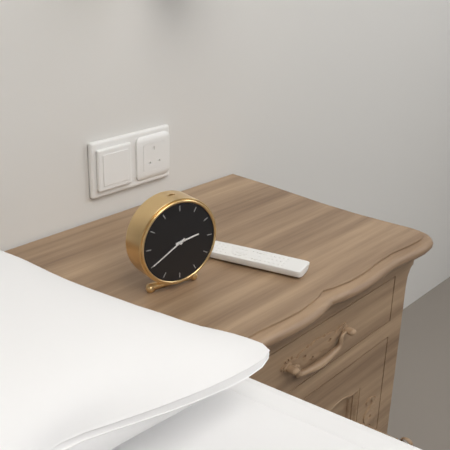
**2:40**
